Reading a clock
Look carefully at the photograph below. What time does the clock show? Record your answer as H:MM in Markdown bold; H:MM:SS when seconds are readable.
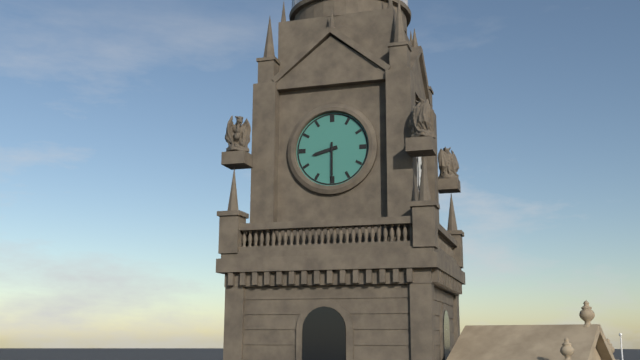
**8:30**
